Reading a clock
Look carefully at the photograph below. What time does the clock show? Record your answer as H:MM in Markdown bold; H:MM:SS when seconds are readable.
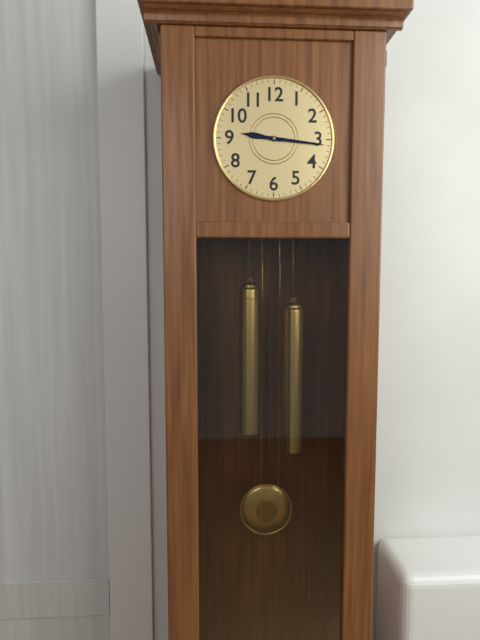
**9:16**
